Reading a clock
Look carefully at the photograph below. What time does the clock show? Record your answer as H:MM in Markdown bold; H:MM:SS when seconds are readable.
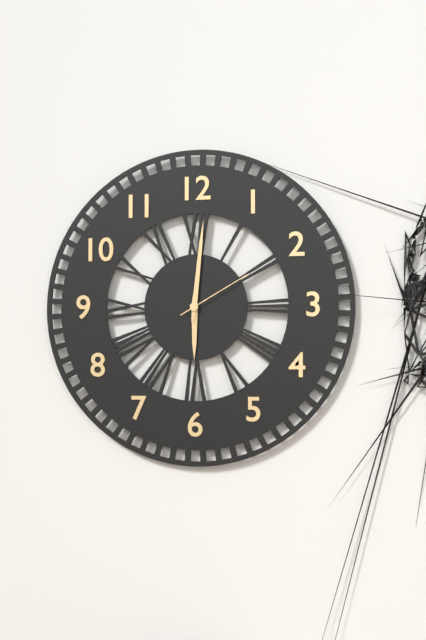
**6:01:10**
